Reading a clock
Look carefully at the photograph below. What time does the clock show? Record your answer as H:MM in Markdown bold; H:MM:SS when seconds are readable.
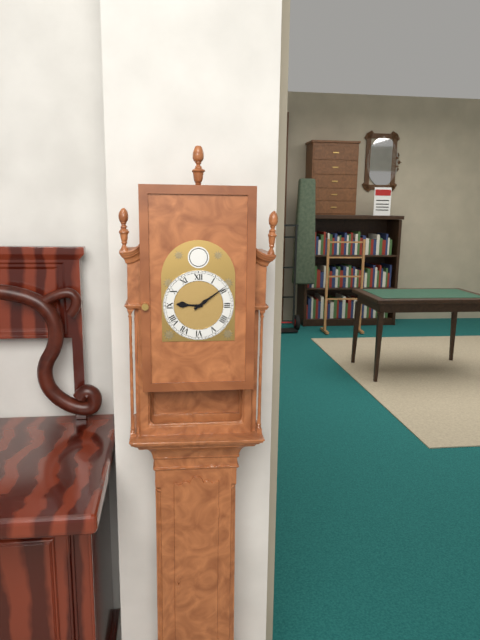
**9:09**
